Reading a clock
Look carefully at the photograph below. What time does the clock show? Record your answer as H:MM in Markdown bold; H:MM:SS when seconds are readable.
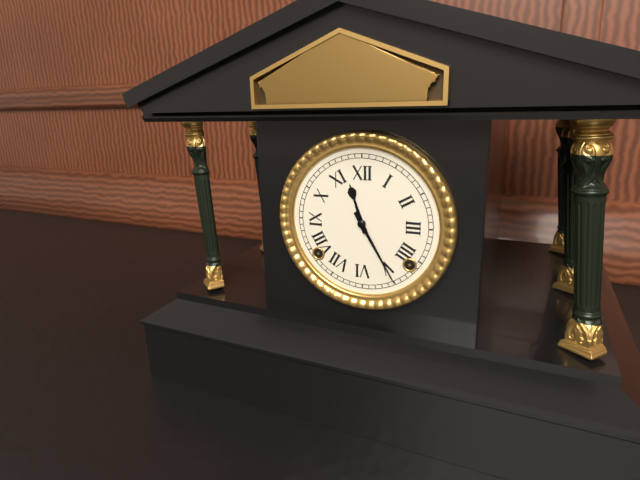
**11:25**
